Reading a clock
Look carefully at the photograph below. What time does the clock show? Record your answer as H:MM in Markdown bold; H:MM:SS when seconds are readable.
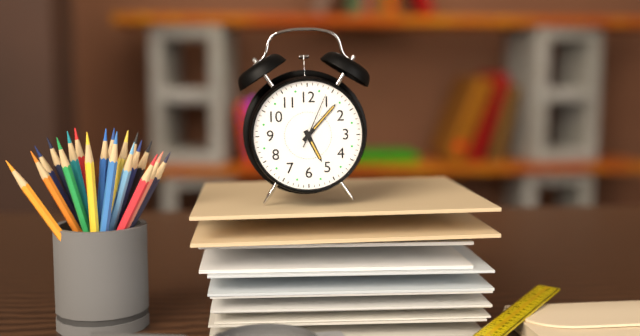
**5:07:04**
